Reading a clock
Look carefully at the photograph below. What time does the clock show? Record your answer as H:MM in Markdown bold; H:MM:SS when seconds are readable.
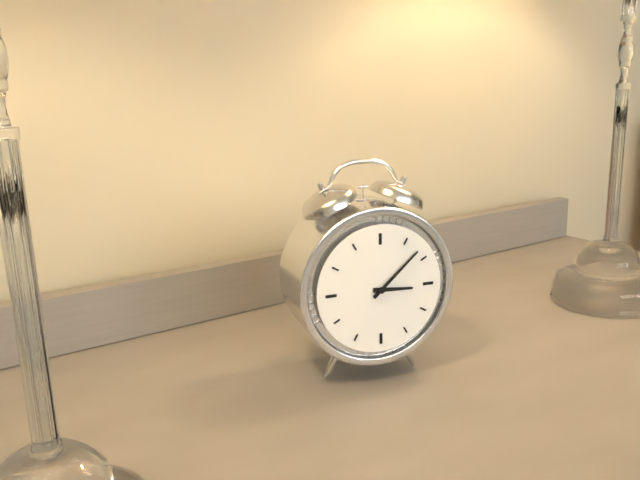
**3:08**
